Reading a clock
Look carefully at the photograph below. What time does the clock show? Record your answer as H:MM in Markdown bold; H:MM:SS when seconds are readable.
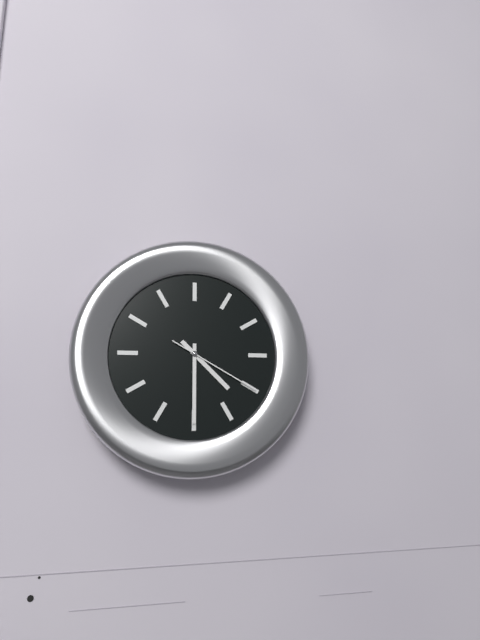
**4:30:20**
